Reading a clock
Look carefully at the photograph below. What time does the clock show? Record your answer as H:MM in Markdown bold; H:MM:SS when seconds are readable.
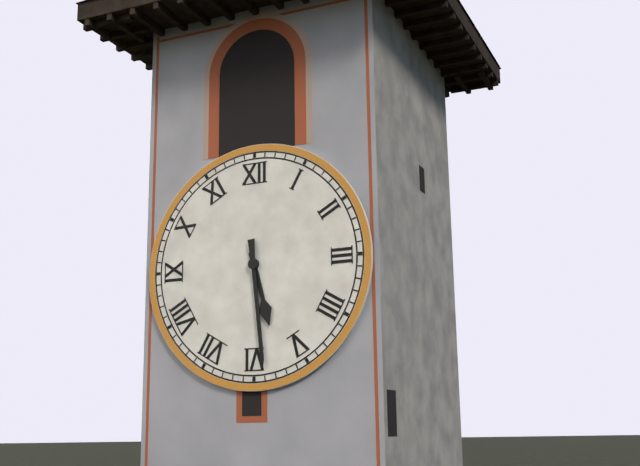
**5:29**
